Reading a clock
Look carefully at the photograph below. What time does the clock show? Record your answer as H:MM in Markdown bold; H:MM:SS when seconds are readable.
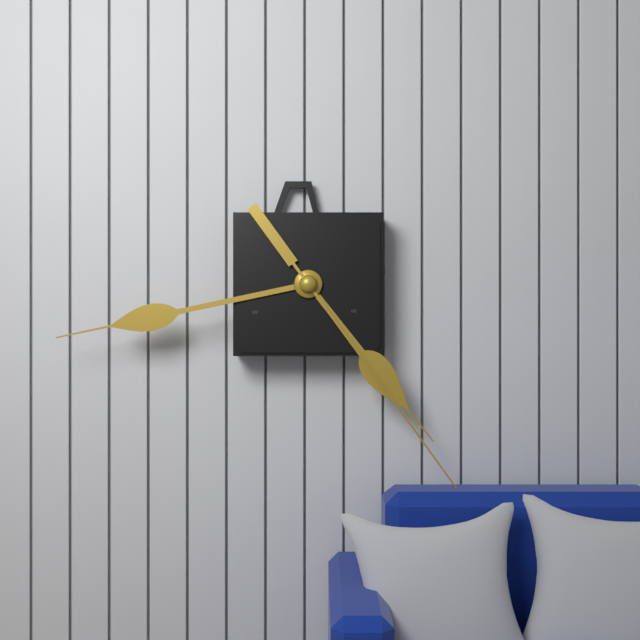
**4:43:24**
